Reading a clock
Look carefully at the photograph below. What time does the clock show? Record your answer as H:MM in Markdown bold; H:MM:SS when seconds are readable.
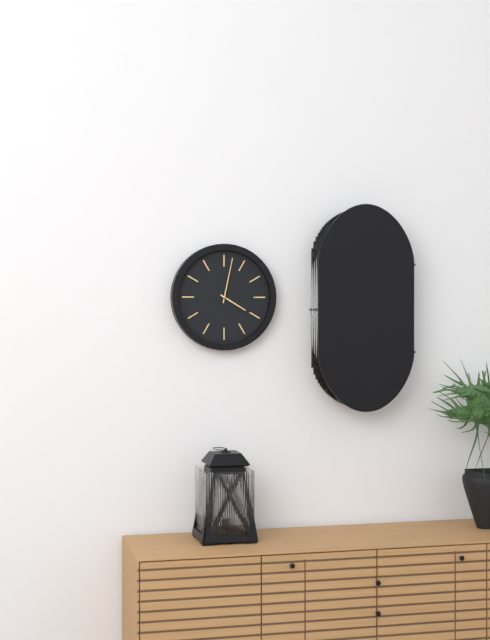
**4:02**
